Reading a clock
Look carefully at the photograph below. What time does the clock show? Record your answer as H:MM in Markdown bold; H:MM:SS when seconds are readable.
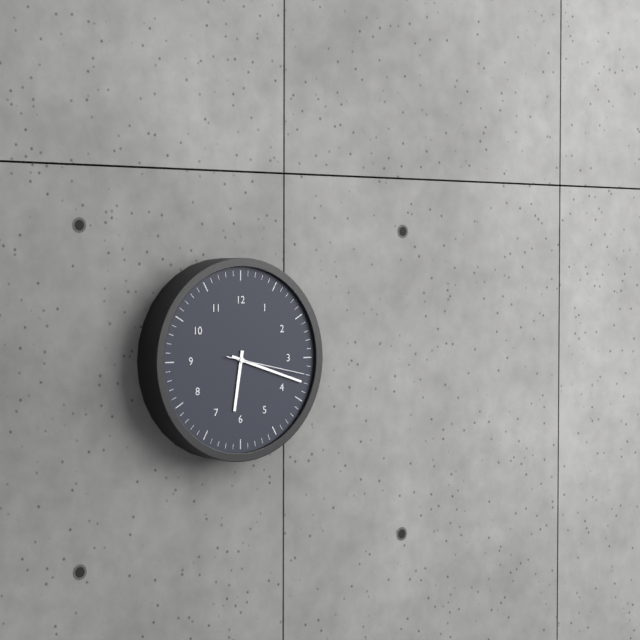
**6:18:17**
